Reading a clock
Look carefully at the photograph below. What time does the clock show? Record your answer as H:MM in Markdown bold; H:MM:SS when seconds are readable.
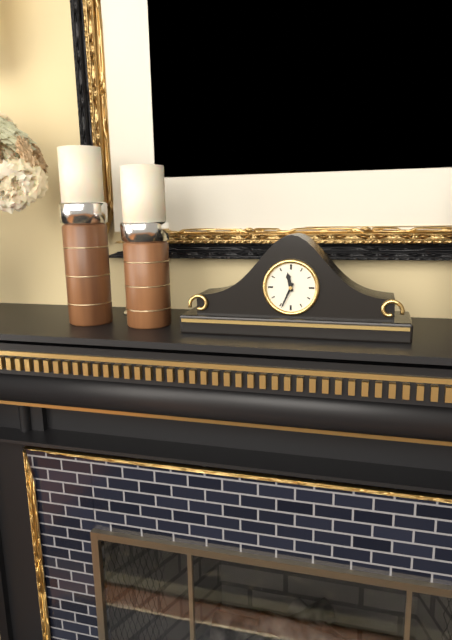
**11:34**
